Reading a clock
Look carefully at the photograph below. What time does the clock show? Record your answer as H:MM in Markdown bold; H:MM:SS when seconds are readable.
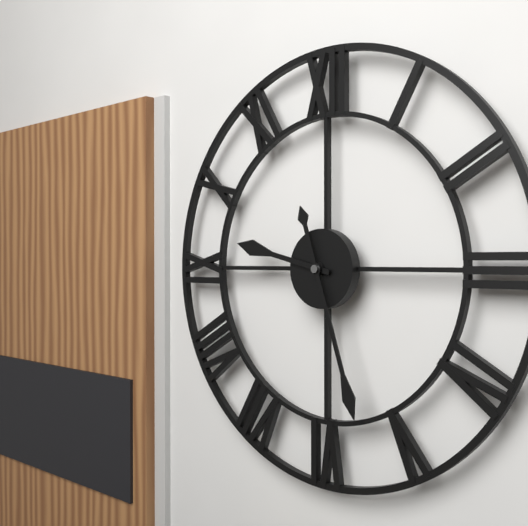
**9:27**
